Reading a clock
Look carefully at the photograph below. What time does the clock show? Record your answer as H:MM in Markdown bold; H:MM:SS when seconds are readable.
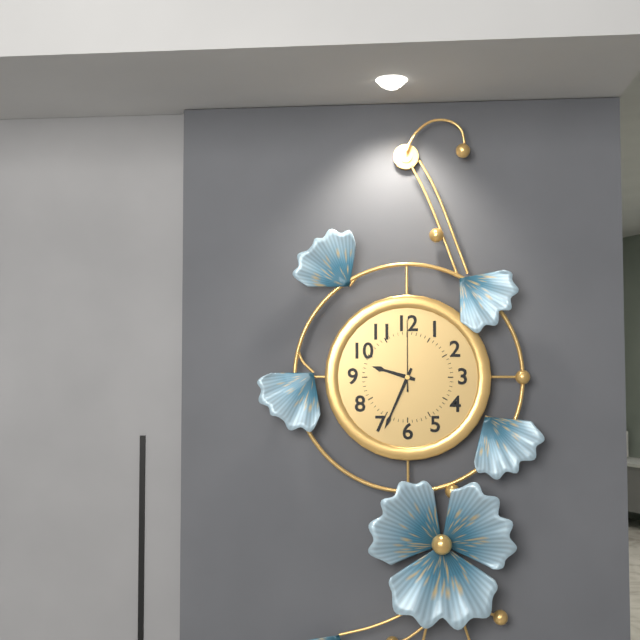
**9:34:00**
